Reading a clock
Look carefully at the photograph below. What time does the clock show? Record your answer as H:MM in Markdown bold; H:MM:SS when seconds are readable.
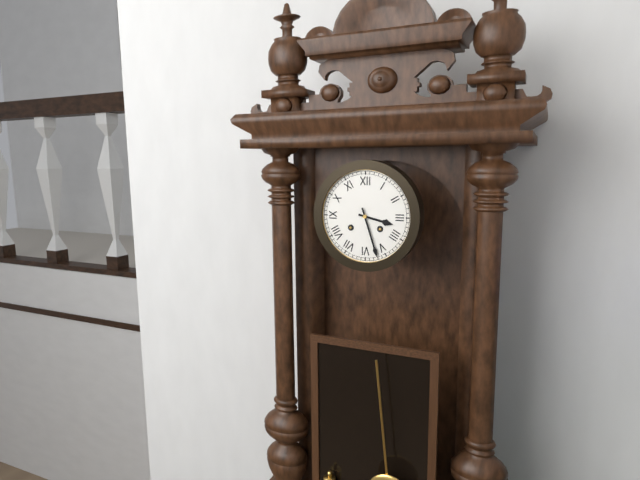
**3:27**
